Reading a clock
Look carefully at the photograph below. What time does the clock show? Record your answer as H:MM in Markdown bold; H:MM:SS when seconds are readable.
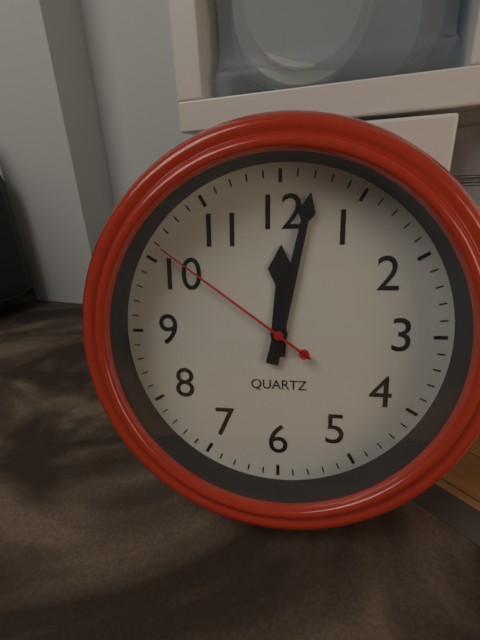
**12:02:51**
